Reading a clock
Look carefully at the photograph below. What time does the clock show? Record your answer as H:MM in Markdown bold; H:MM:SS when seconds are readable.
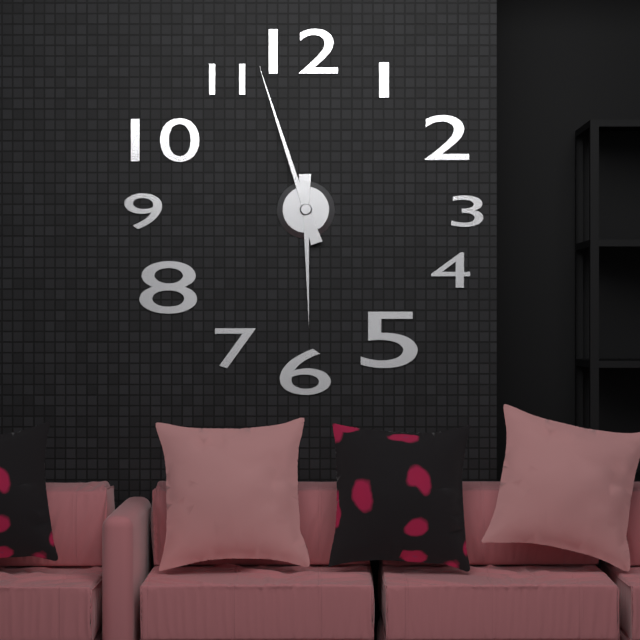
**5:57**
